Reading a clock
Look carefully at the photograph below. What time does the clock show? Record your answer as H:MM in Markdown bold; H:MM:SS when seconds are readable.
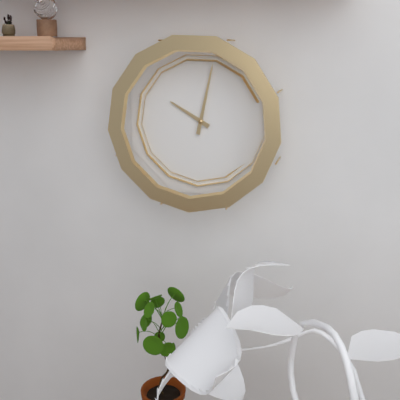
**10:02**
